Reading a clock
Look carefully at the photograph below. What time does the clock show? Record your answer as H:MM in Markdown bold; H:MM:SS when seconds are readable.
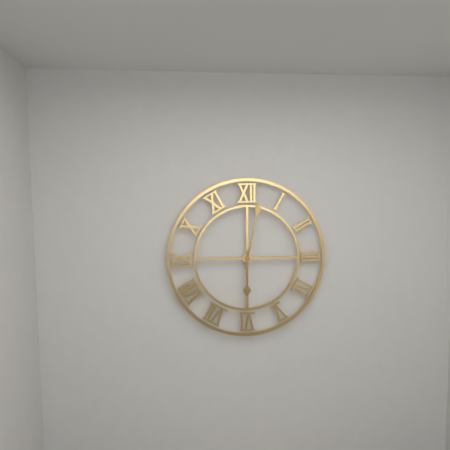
**6:02**
